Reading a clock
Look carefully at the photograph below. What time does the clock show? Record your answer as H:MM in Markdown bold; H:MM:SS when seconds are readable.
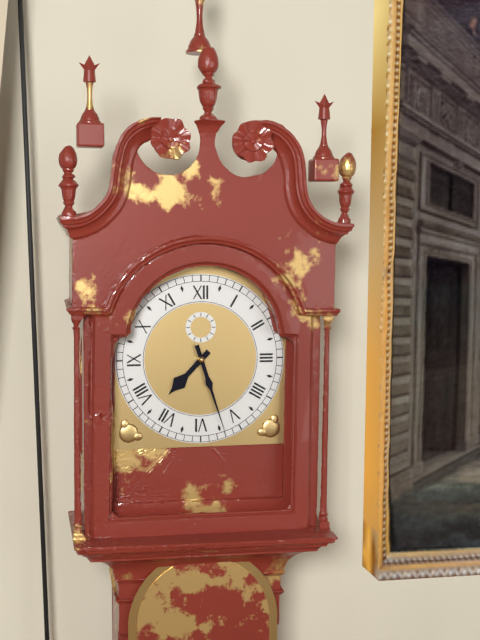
**7:27**
